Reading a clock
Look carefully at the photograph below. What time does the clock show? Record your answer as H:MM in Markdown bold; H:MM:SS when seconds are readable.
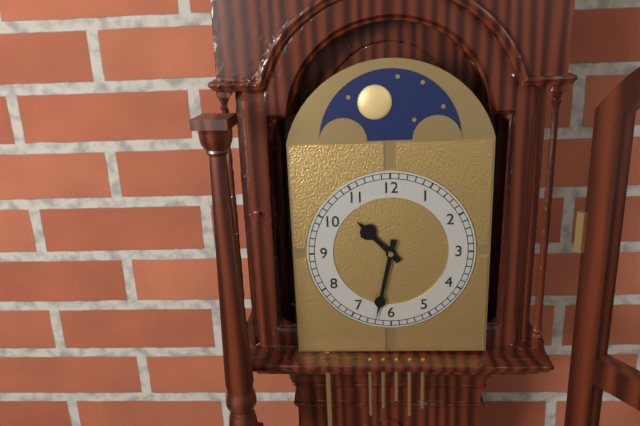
**10:32**
